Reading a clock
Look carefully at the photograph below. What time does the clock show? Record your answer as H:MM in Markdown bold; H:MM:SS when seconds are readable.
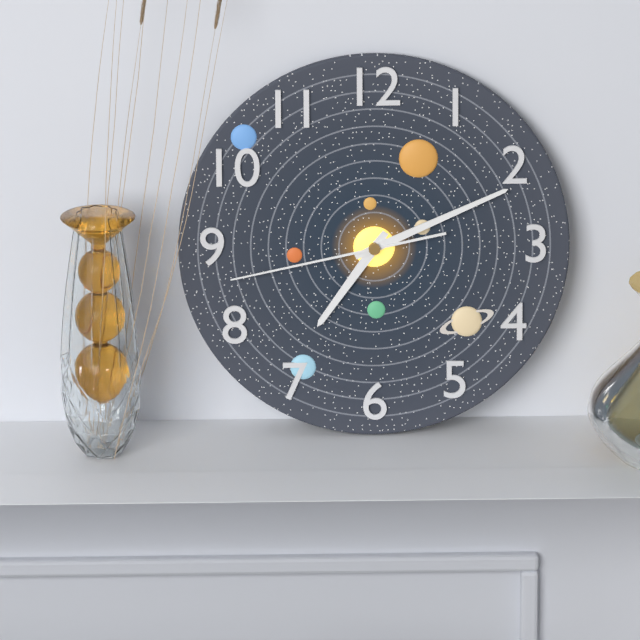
**7:11:43**
